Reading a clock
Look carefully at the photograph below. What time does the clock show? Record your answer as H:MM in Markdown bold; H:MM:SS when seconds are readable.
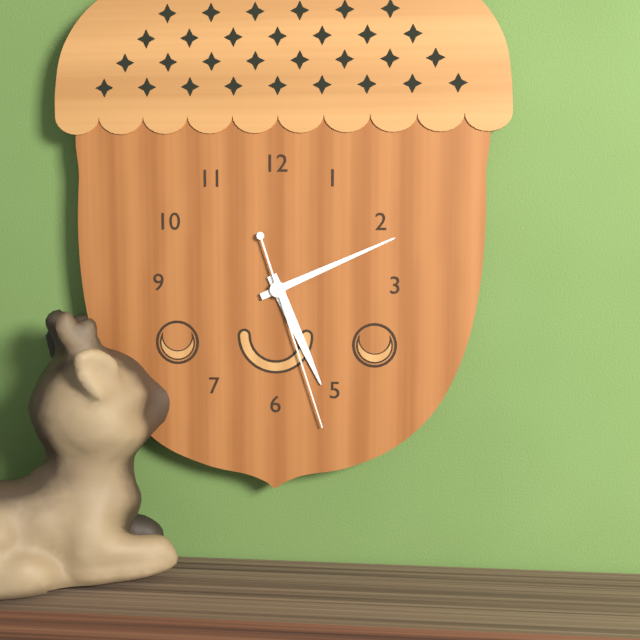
**5:11:27**
